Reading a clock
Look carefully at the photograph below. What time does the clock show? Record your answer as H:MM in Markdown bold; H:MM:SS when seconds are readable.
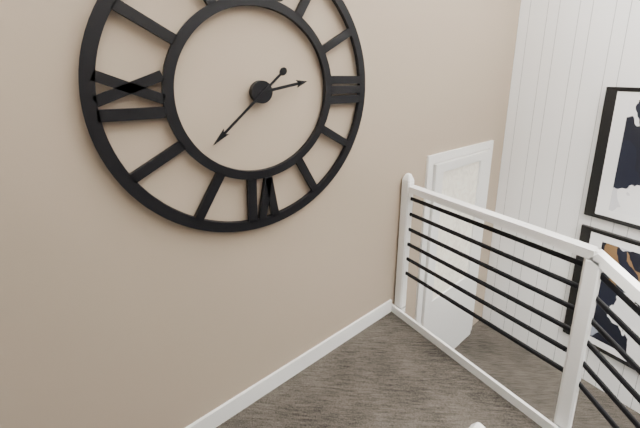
**2:38**
